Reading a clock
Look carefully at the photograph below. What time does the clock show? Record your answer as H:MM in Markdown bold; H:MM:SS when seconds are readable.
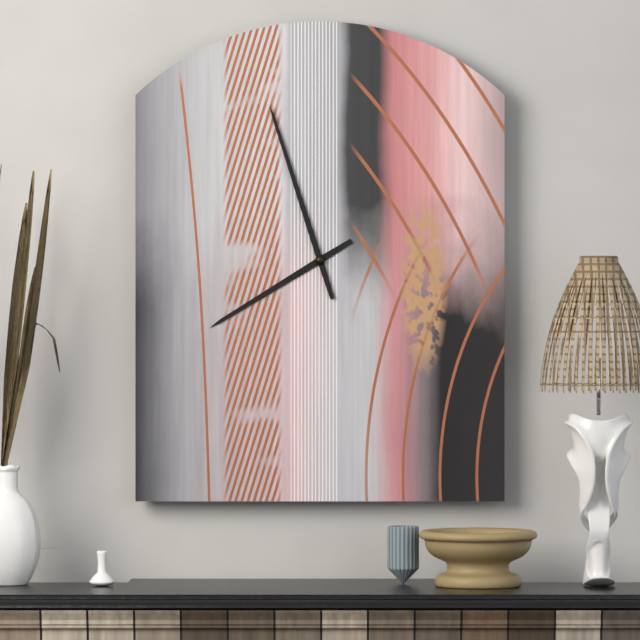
**7:57**
